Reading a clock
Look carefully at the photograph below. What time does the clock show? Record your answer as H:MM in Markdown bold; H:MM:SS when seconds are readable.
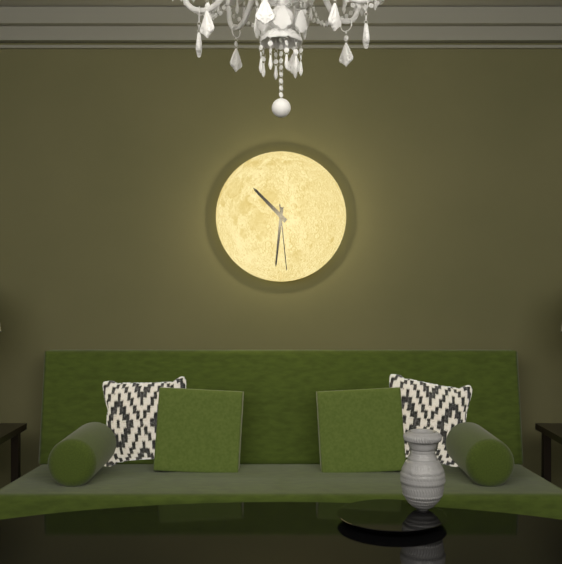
**10:31:29**
